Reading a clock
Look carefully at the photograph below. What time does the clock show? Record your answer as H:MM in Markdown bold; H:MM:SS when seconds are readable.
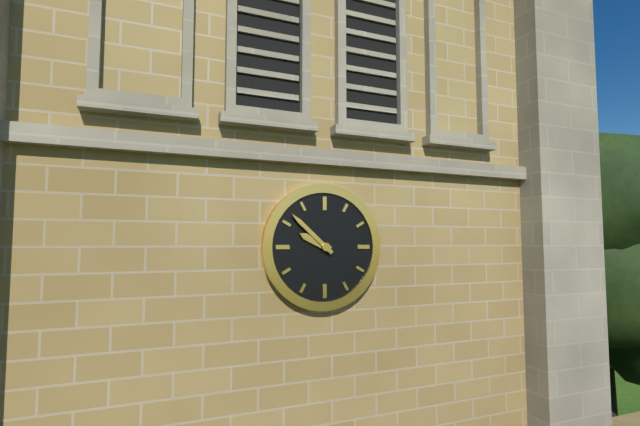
**9:52**
